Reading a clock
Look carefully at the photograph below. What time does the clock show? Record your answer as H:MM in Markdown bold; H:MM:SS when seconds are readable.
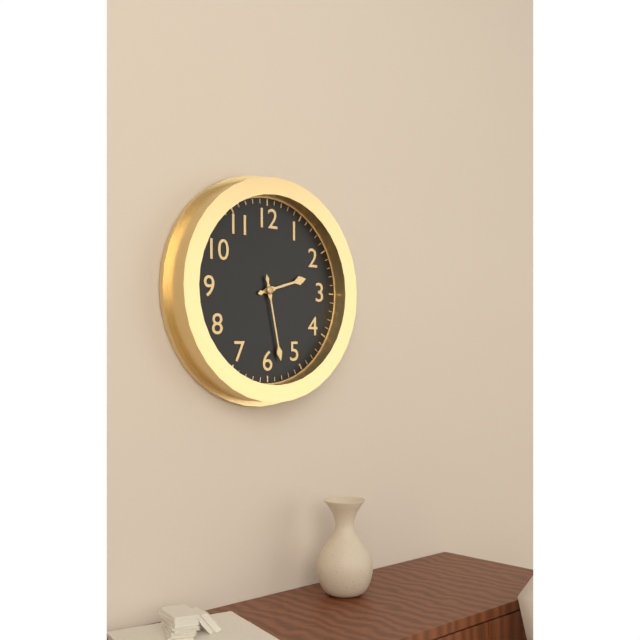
**2:28**
